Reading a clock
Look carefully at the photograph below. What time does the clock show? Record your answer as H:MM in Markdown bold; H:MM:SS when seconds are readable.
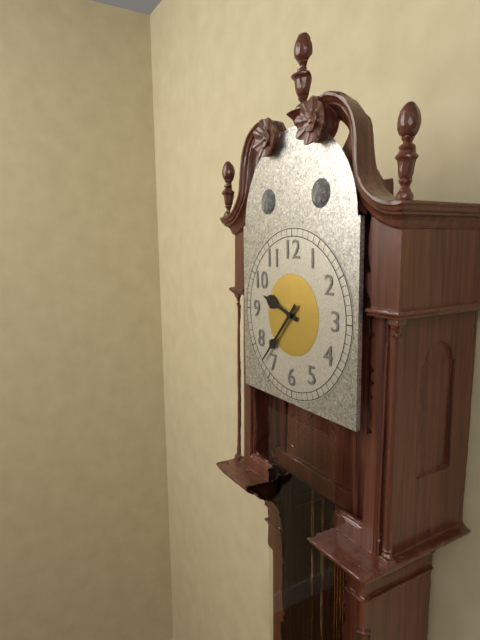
**9:37**
